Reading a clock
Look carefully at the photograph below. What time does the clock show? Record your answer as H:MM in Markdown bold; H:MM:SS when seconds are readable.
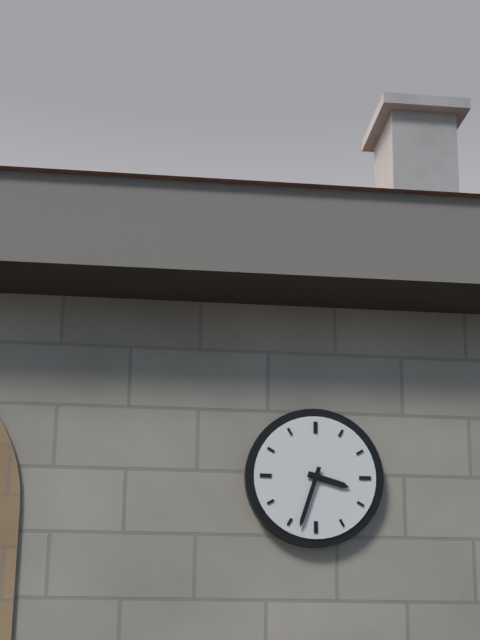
**3:33**
